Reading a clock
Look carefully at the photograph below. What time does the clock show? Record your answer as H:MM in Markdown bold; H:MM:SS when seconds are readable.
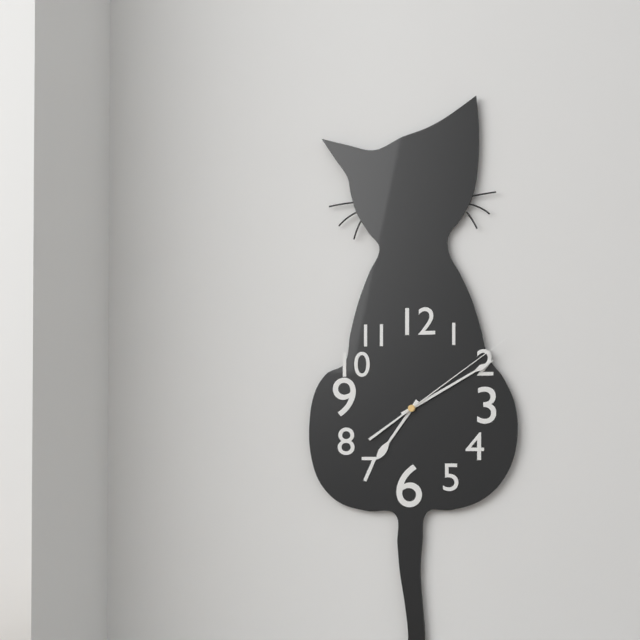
**7:10:09**
